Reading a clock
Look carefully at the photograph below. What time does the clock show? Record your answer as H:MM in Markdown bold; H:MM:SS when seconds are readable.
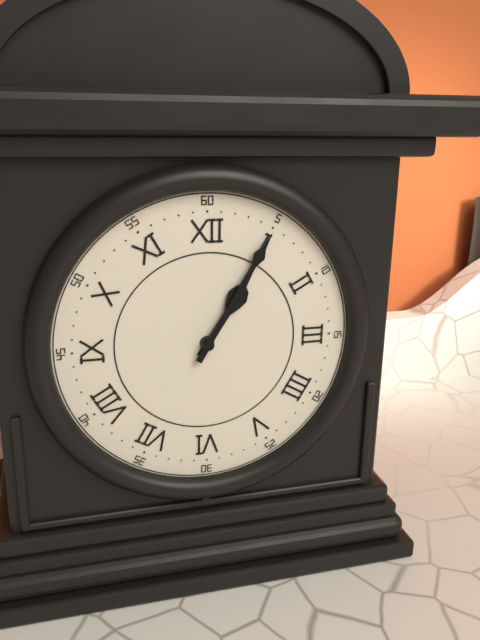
**1:05**
